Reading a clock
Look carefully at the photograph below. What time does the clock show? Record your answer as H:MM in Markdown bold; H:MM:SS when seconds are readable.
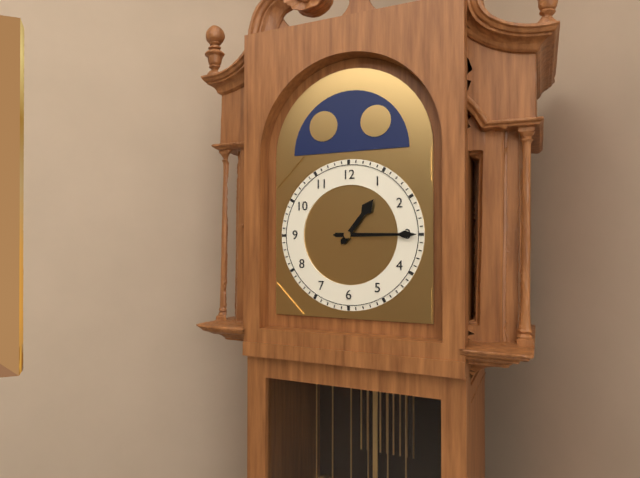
**1:15**
